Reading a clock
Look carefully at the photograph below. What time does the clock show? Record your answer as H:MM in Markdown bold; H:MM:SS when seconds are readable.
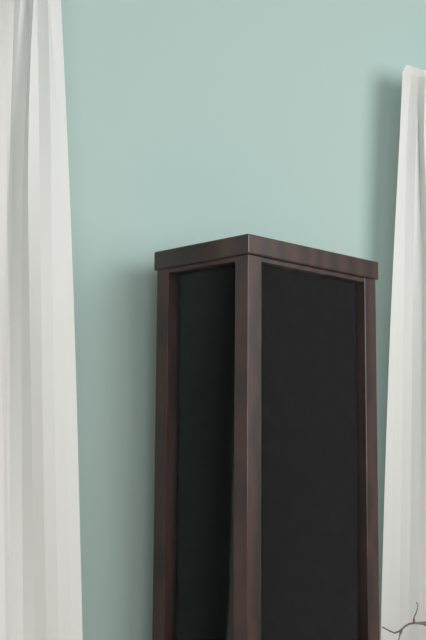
**7:51**
